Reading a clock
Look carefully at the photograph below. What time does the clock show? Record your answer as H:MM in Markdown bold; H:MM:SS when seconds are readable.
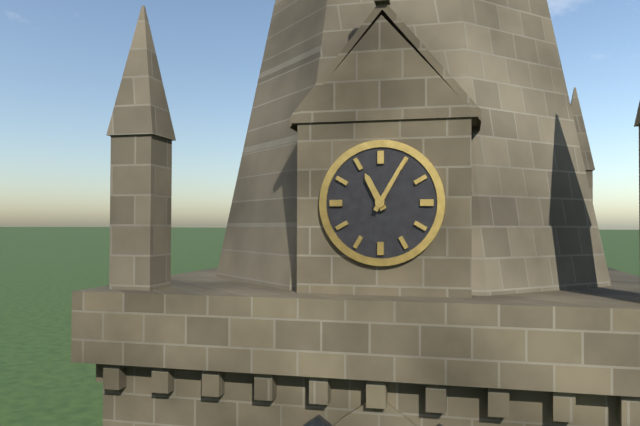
**11:05**
